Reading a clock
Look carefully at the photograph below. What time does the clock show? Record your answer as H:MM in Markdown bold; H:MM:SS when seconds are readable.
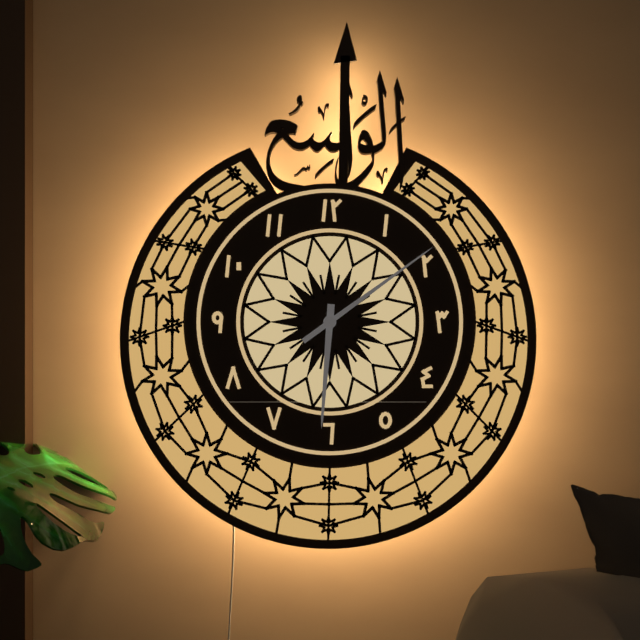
**6:09**
